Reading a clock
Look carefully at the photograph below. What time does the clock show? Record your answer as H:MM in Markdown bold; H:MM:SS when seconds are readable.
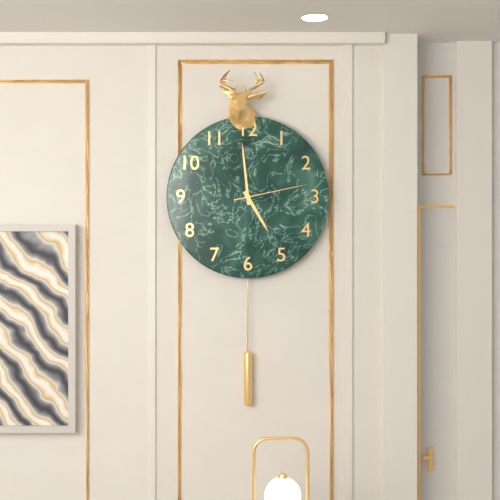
**4:59:13**
